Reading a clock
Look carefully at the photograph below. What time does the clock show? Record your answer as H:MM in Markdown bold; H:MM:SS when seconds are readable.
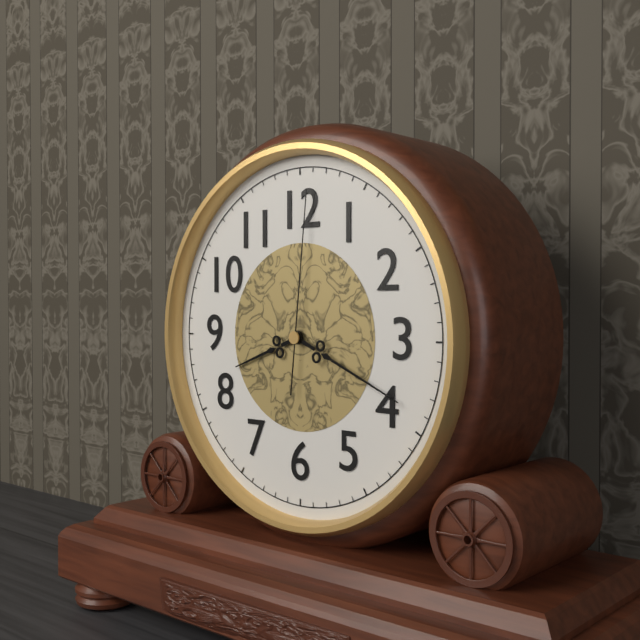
**8:19:01**
